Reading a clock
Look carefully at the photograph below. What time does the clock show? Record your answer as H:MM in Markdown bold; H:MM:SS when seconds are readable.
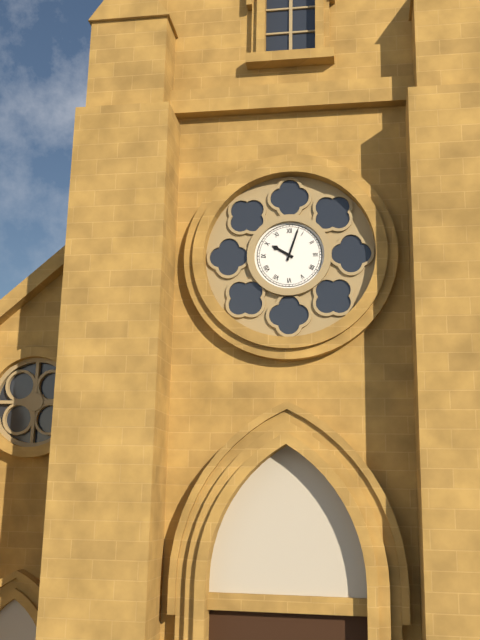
**10:03**
